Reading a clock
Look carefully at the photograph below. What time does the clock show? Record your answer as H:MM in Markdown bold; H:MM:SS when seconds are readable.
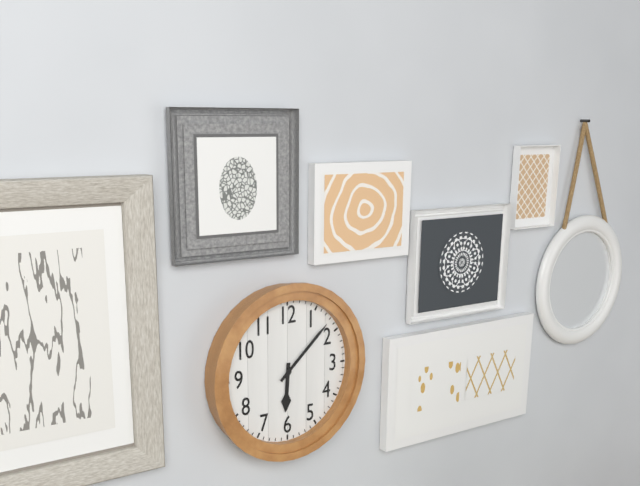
**6:08**
